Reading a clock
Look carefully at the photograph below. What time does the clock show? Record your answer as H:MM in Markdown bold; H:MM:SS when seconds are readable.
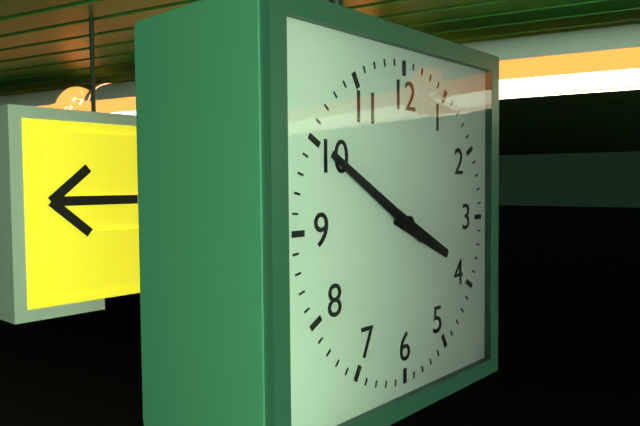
**3:50**
